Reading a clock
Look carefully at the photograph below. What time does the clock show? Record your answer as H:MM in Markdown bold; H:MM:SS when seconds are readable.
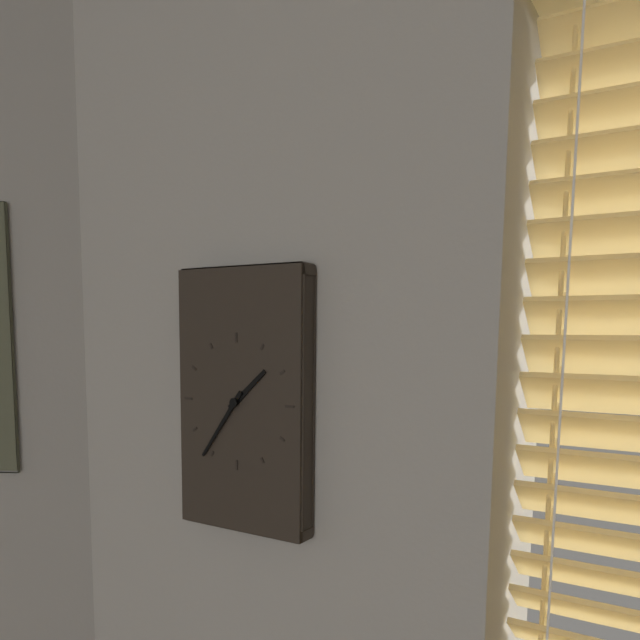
**1:36**
